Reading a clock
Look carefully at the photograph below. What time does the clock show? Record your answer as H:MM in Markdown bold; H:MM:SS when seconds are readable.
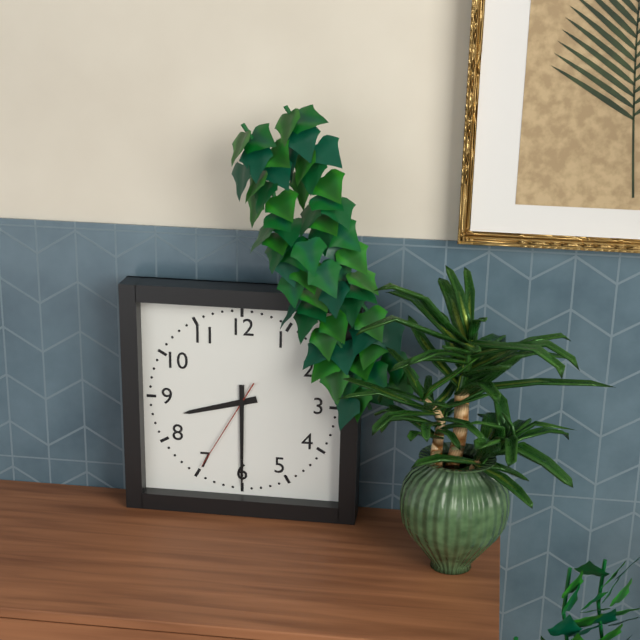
**8:30:35**
